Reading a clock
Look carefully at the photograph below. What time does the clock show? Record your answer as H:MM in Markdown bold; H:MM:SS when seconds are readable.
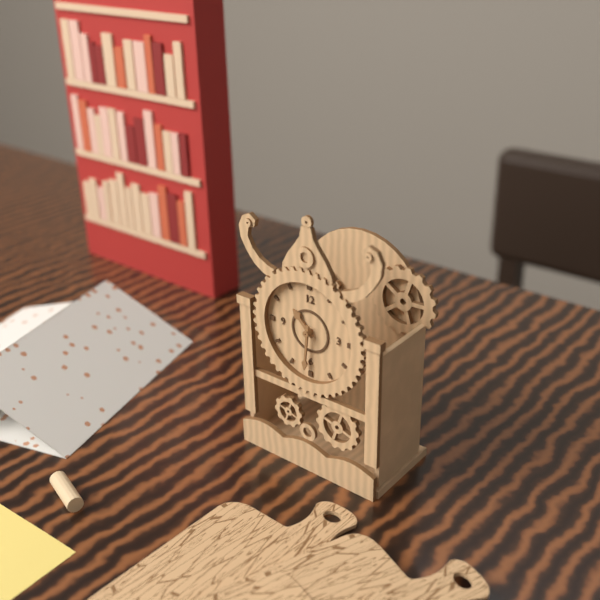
**10:31**
